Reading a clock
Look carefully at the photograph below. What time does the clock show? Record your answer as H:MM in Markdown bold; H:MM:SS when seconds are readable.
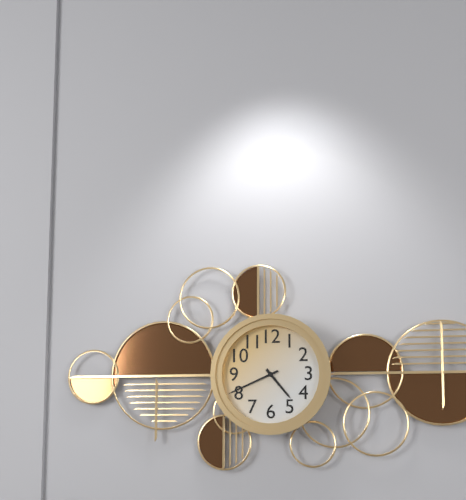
**4:41**
